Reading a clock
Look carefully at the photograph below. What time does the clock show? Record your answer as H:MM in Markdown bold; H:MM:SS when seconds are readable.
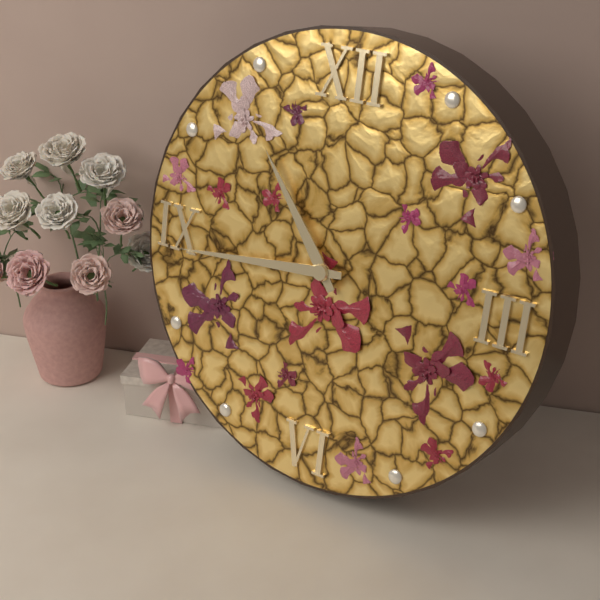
**10:44**
